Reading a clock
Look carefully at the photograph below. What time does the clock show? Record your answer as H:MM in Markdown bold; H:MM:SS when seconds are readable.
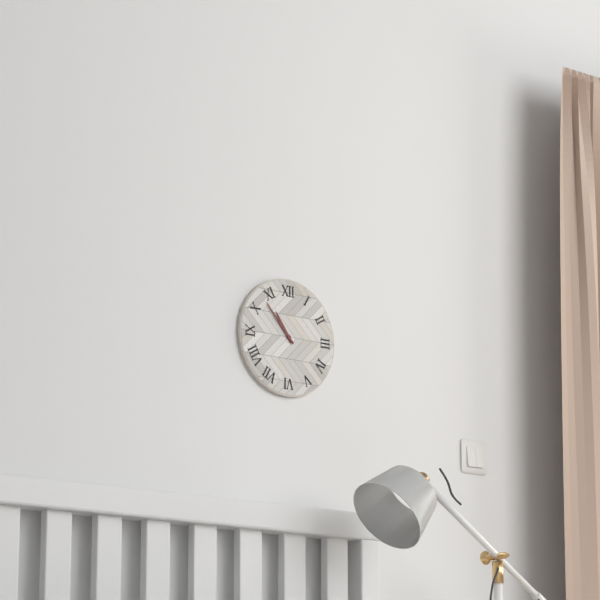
**10:53**
